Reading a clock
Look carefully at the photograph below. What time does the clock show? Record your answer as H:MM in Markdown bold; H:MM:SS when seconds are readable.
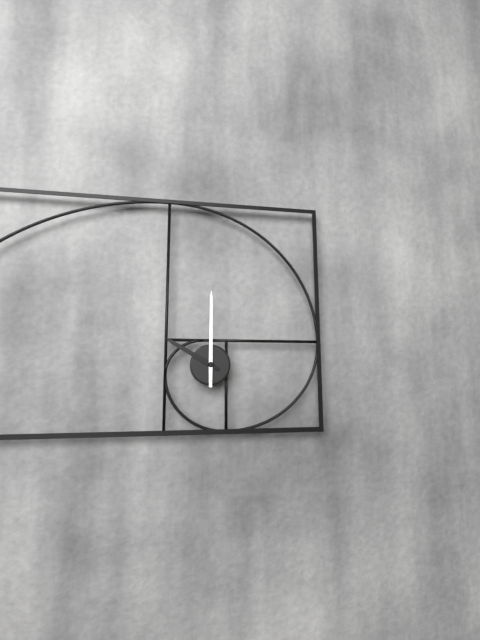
**10:00**
